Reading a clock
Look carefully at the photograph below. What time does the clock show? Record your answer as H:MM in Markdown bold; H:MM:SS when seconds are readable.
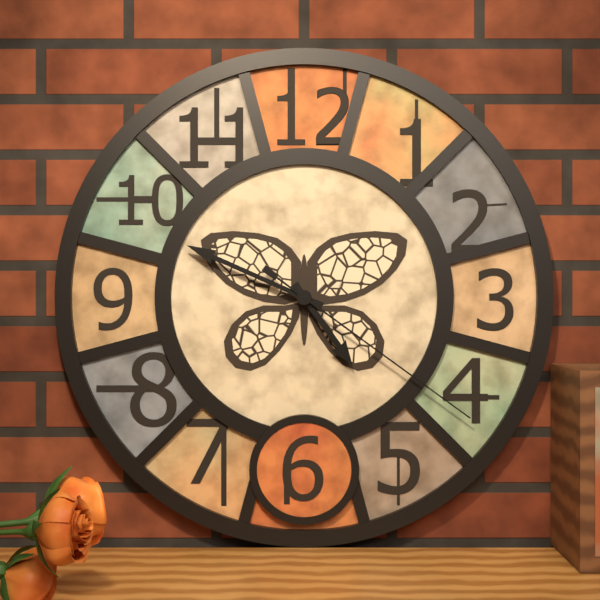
**4:49:21**
